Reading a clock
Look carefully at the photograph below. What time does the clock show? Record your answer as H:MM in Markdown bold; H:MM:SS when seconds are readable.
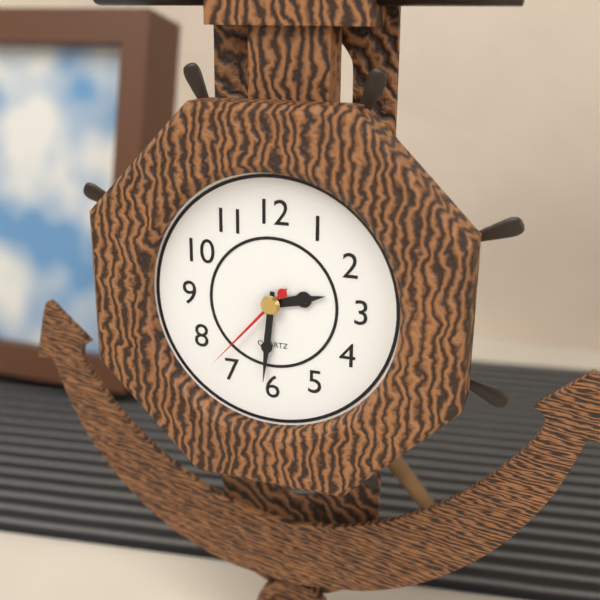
**2:31:37**
